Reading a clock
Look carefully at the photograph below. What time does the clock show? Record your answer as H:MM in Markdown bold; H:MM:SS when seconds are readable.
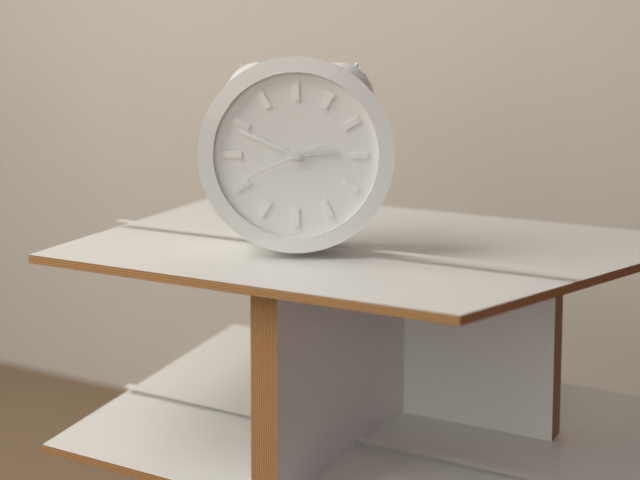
**2:49:41**
